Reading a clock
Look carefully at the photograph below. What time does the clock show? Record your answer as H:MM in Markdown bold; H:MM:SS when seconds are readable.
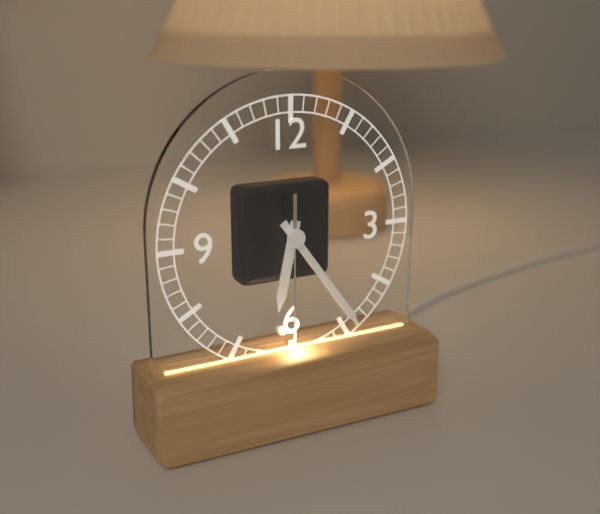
**6:24:30**
